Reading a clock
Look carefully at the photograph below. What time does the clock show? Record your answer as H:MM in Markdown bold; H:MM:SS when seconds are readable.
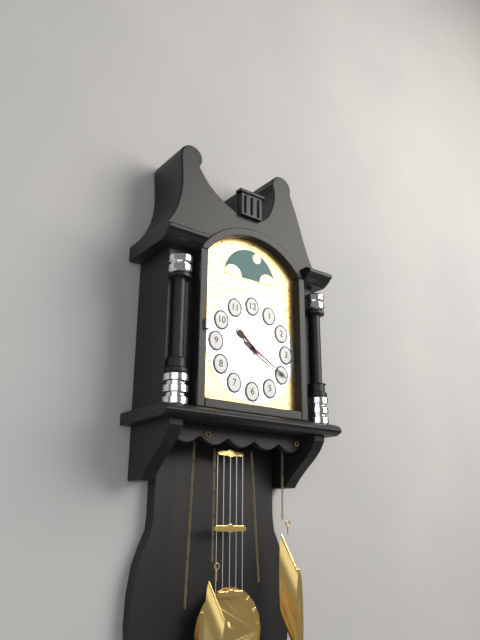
**10:20**
